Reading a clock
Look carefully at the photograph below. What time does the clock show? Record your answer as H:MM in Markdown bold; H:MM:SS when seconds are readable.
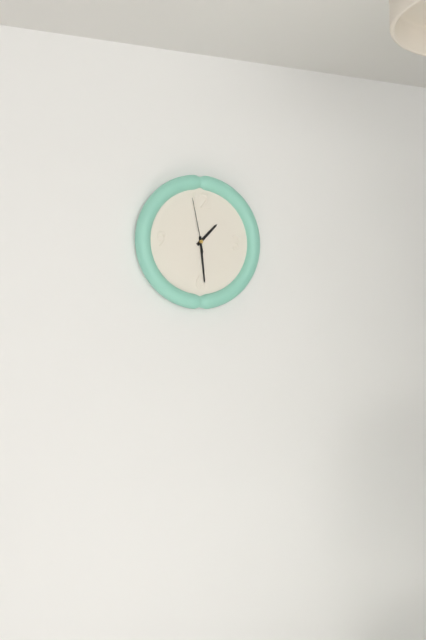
**1:29:58**
